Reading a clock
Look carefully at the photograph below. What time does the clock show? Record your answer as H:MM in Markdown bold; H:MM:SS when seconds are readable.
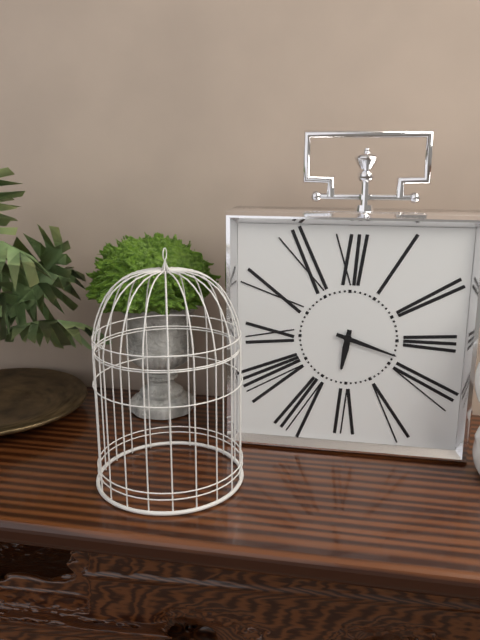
**6:18**
